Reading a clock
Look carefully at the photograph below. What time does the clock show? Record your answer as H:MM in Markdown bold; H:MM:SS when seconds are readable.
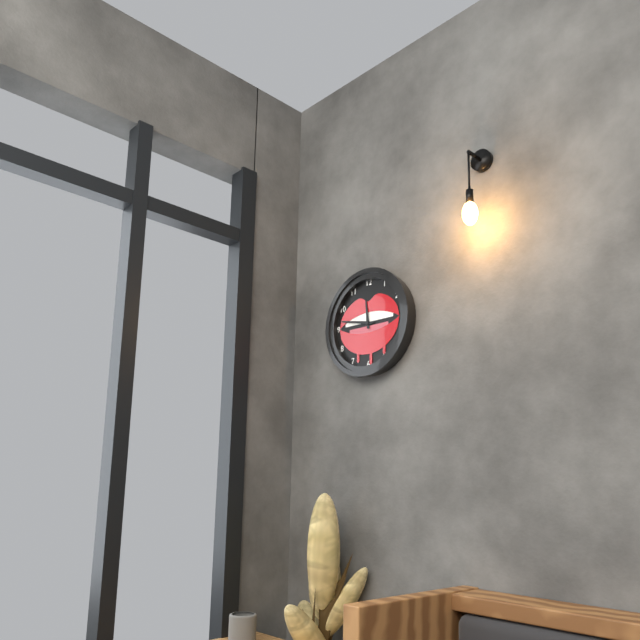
**11:47**
